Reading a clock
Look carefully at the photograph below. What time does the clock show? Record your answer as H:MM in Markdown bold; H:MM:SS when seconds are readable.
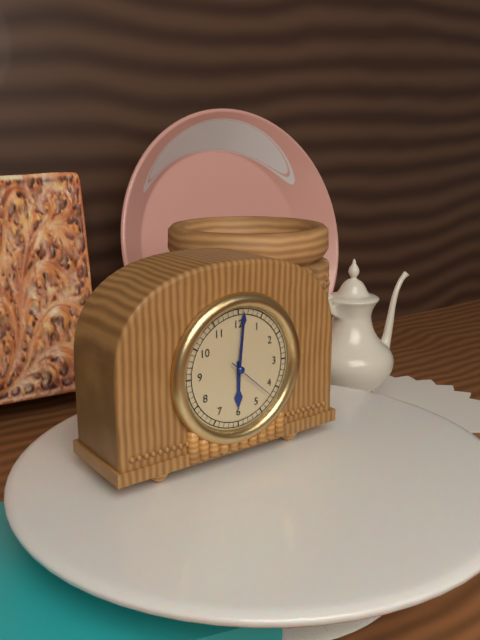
**6:01**
